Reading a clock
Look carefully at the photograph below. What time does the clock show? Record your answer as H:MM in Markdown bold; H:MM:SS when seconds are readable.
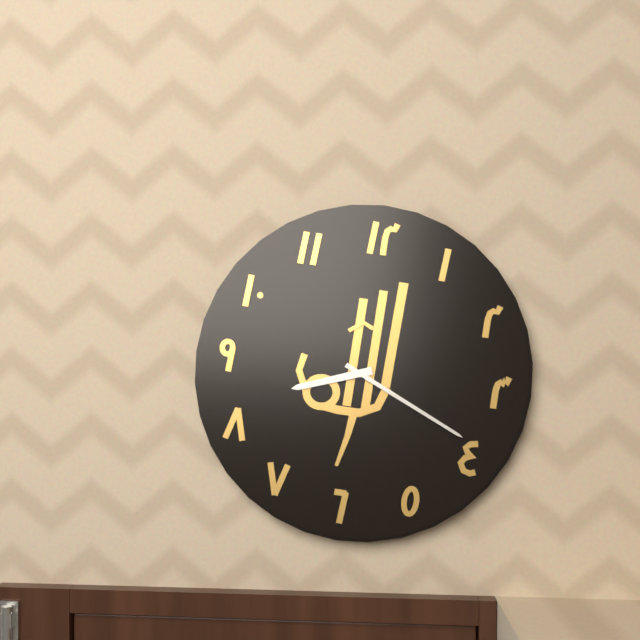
**8:19**
